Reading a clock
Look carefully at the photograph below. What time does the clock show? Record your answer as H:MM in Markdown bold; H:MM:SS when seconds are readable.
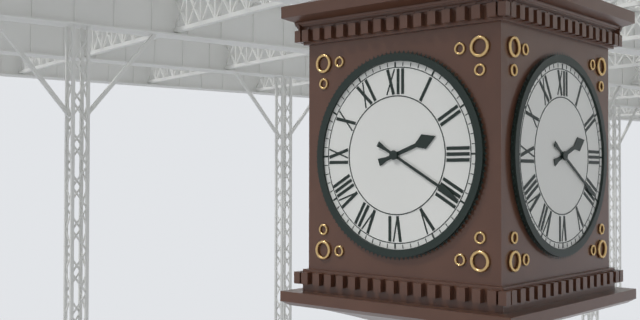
**2:20**
